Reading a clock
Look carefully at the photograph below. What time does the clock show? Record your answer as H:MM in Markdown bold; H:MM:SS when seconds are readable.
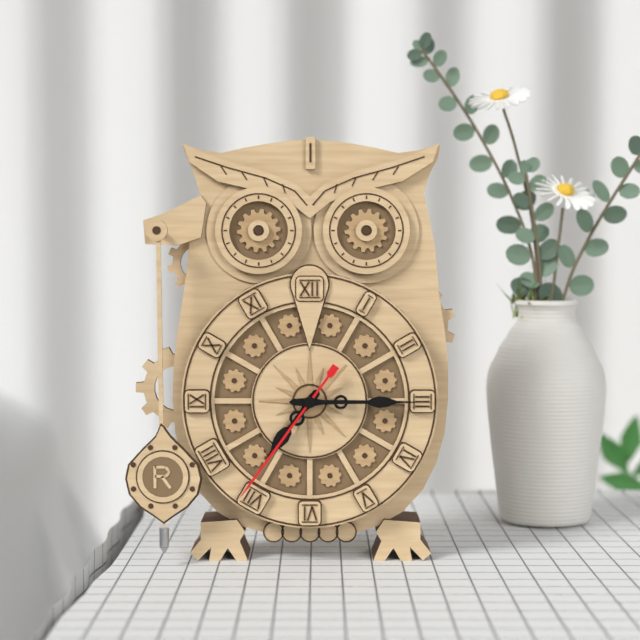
**7:15:36**
